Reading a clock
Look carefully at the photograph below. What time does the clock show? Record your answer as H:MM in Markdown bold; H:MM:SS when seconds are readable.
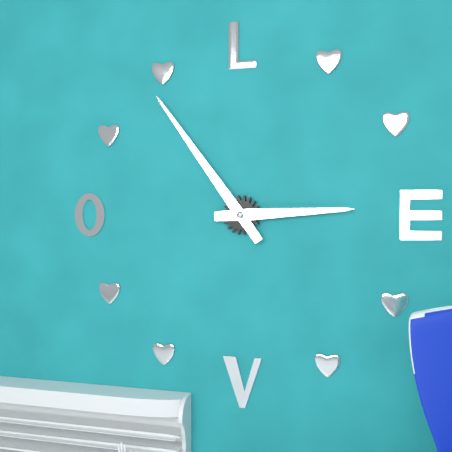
**2:54**
